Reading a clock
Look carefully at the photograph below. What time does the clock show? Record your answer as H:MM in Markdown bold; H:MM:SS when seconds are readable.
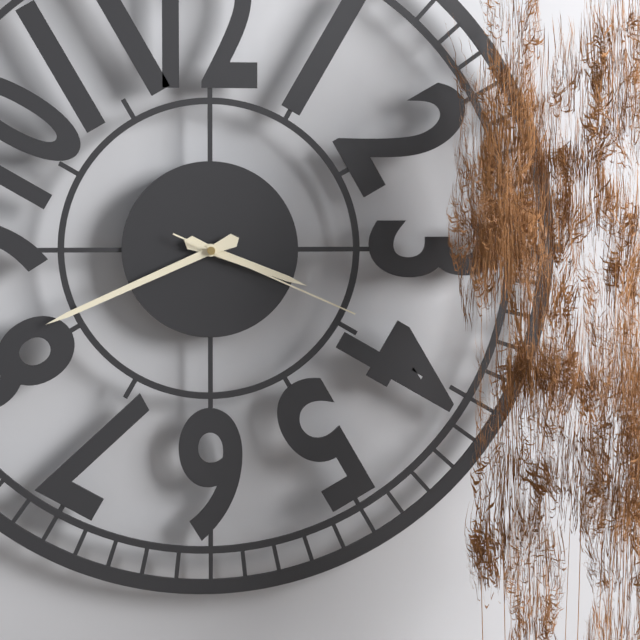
**3:41:19**
